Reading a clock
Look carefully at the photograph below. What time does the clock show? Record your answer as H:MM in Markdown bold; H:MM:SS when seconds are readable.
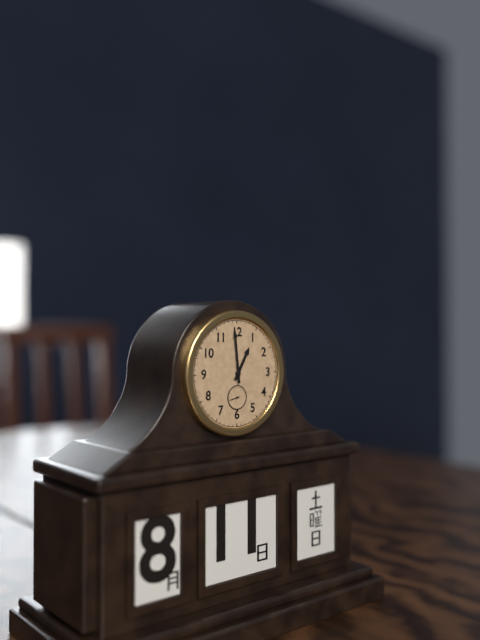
**12:59**
